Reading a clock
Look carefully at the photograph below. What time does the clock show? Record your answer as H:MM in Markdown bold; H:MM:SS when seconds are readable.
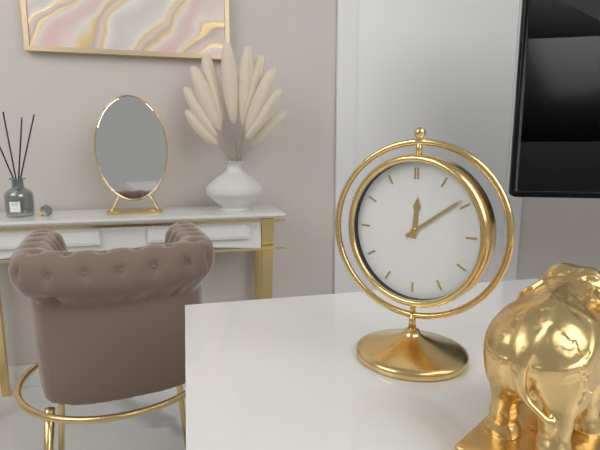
**12:09**
